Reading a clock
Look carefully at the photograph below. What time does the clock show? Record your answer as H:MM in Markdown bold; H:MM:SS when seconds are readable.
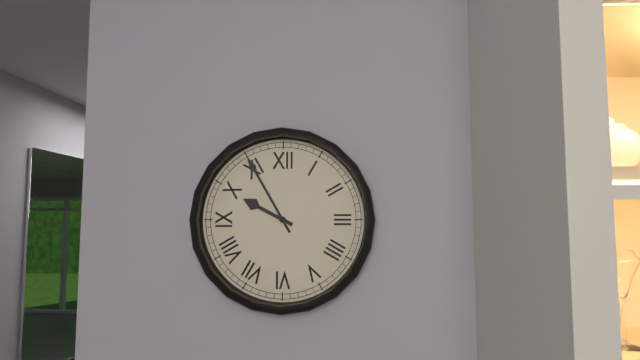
**9:55**
